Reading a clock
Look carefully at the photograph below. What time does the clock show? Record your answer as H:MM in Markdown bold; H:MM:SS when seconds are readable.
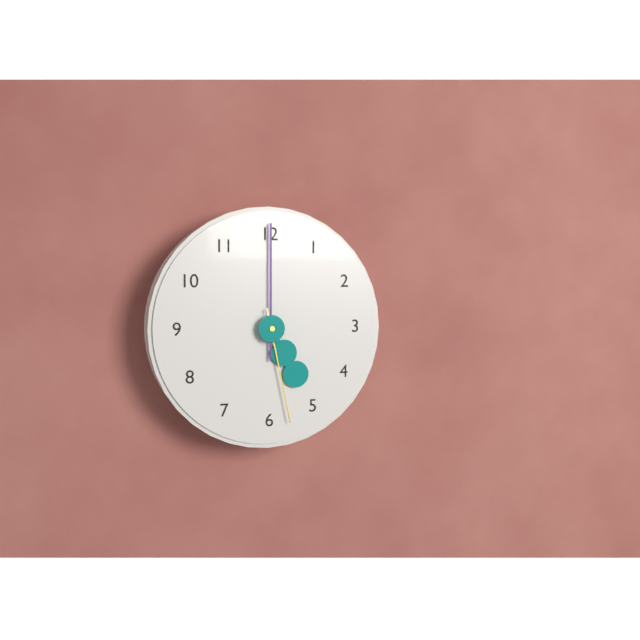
**5:00:28**
